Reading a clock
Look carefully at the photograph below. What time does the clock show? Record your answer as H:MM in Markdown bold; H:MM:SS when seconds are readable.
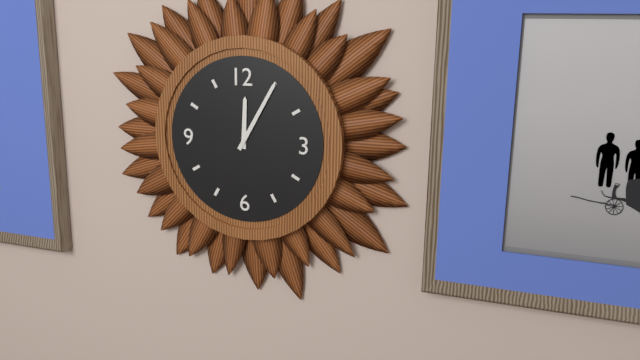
**12:05**
